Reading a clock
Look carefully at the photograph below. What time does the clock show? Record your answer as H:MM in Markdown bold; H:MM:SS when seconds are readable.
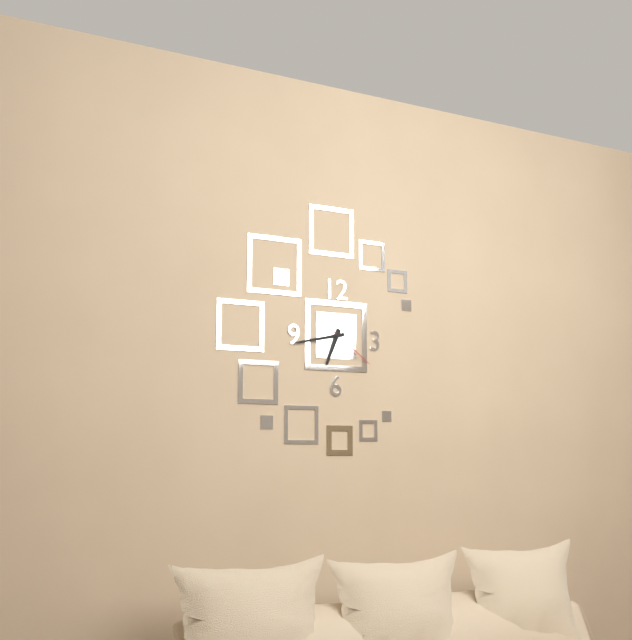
**6:43:21**
